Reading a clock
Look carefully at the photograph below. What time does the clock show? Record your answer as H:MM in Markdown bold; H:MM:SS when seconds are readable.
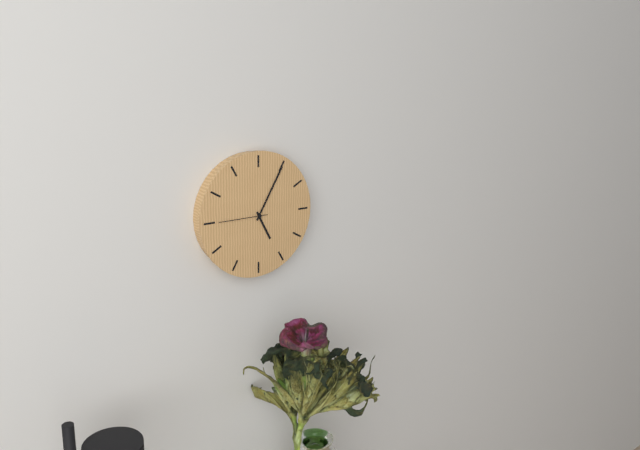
**5:05:45**
